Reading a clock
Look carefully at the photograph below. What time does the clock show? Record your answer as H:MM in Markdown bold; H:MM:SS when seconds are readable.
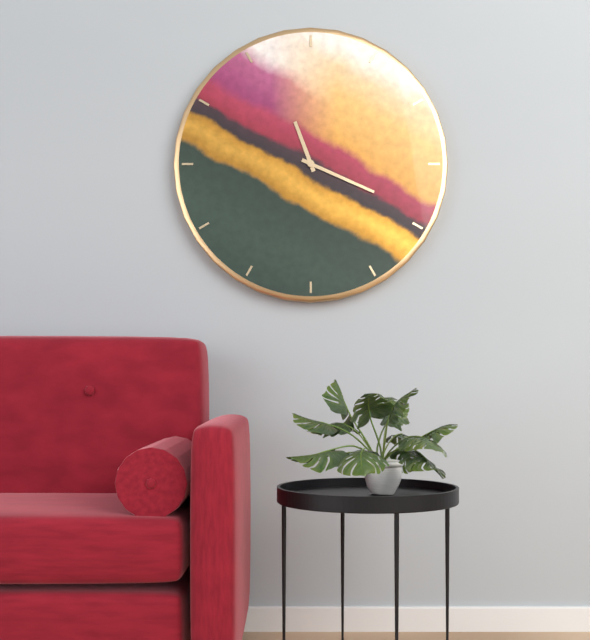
**11:19**
